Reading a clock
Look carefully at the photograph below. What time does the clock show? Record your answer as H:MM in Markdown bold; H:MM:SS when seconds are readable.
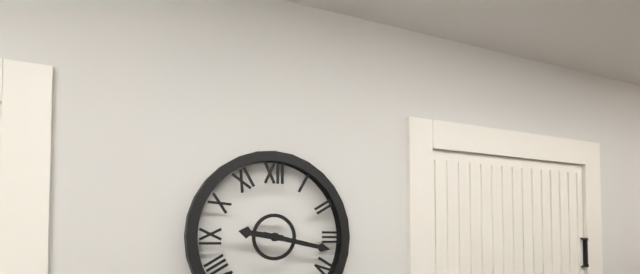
**9:17**
